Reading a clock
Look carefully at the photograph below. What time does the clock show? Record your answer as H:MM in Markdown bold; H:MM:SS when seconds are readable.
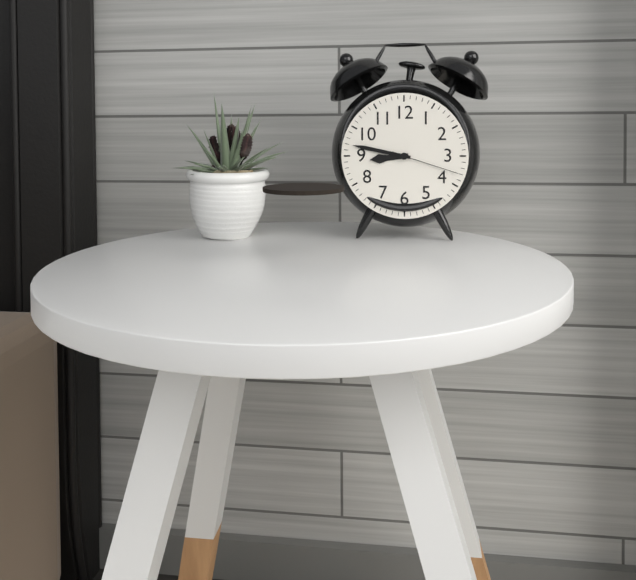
**8:47:18**
